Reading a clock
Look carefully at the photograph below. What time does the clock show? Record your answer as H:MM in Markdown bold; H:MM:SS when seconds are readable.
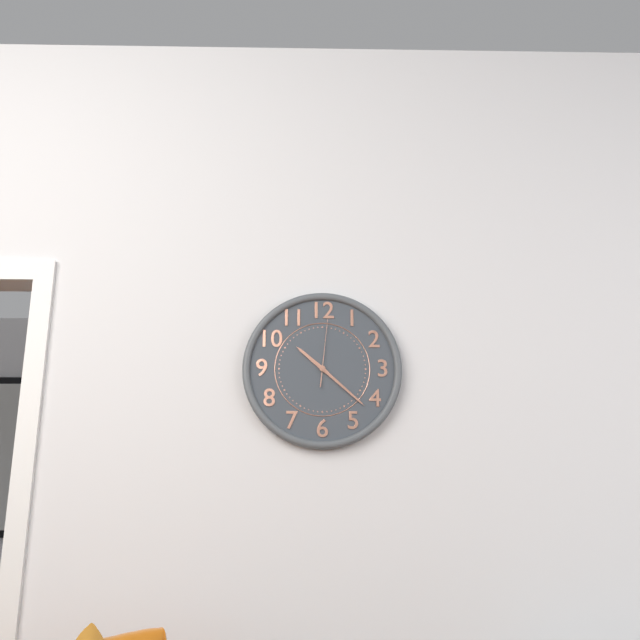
**10:22:01**
